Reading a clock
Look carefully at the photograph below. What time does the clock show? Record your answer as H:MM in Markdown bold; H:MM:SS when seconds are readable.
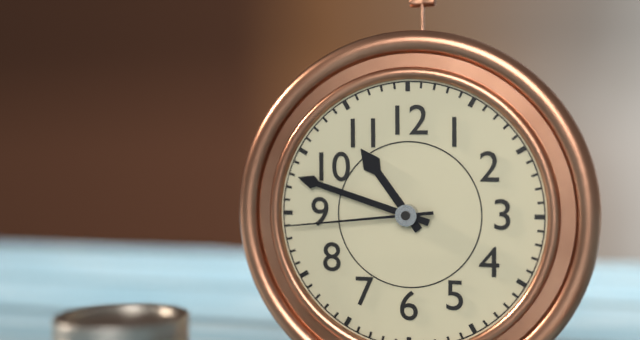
**10:48:44**
